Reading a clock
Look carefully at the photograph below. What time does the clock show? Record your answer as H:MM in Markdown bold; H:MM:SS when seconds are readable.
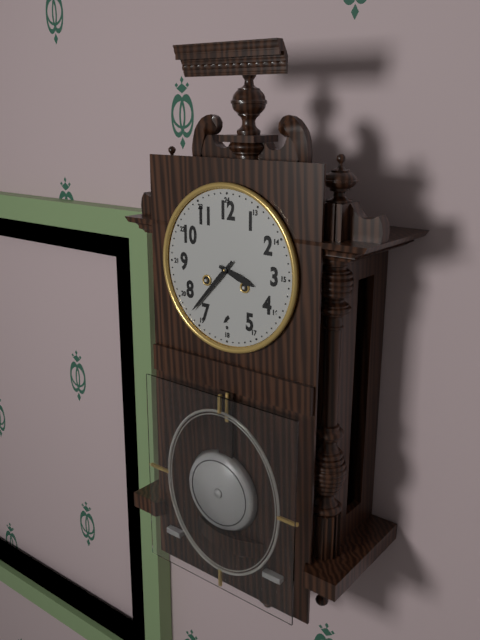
**3:37**
